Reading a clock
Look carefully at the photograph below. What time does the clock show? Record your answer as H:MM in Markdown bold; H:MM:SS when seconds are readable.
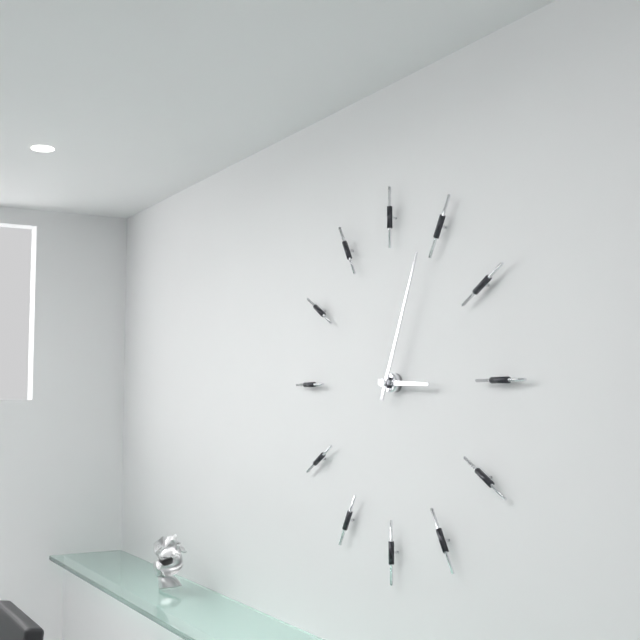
**3:04**
